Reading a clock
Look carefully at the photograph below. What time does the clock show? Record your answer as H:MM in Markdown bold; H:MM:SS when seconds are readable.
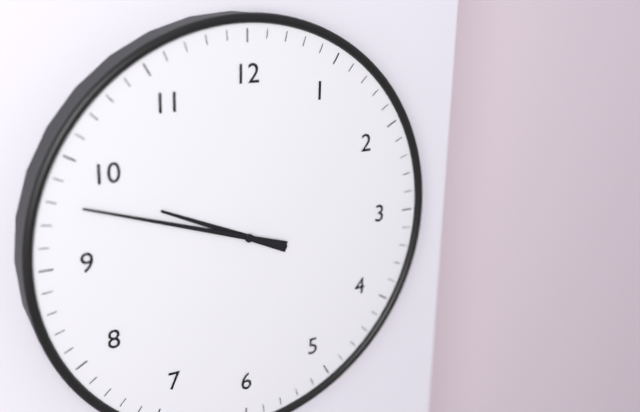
**9:48**
